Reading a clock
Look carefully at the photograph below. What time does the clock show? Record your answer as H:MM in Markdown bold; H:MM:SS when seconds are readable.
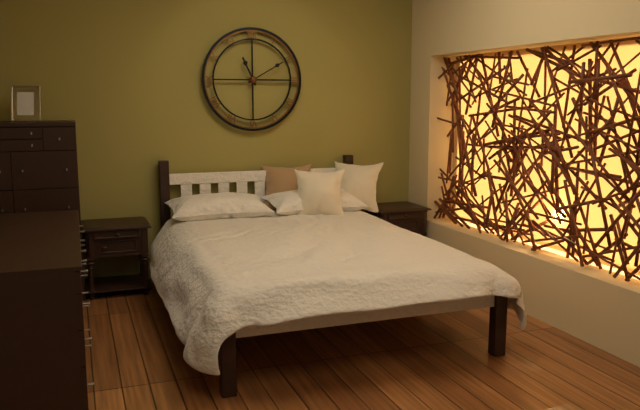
**11:10**
